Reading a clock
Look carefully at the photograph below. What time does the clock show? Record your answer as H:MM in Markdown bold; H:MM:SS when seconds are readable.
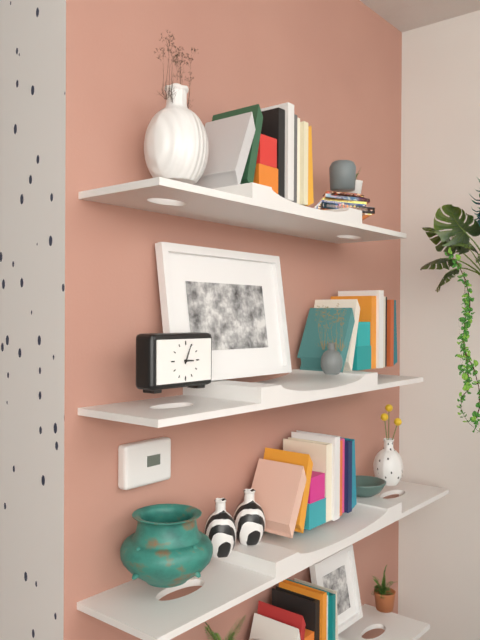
**3:04**
